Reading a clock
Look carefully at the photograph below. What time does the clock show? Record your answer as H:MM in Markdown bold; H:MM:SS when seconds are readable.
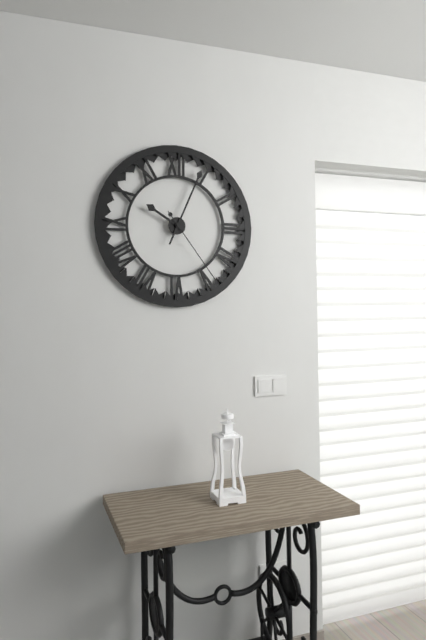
**10:04:24**
